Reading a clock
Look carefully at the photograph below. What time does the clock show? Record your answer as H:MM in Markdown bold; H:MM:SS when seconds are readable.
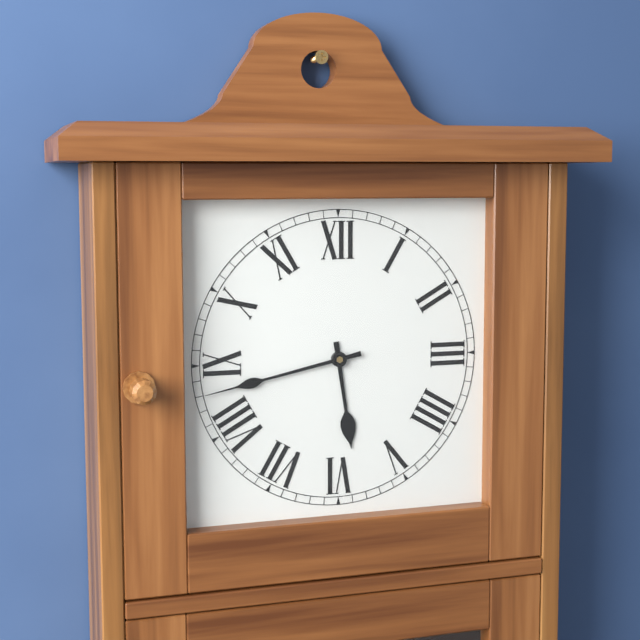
**5:43**
